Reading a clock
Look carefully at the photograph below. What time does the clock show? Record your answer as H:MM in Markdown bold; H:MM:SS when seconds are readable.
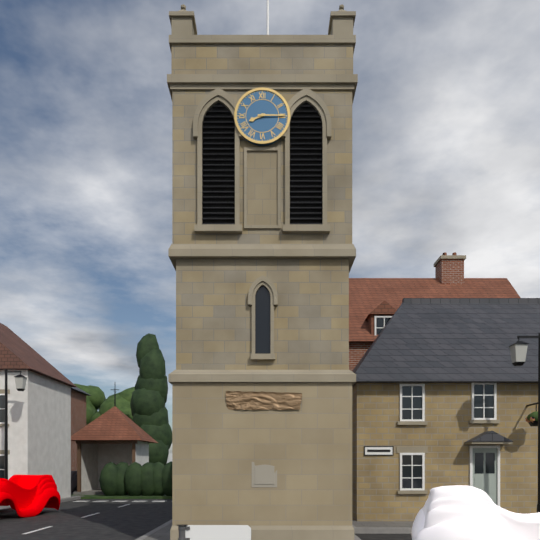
**8:15**
